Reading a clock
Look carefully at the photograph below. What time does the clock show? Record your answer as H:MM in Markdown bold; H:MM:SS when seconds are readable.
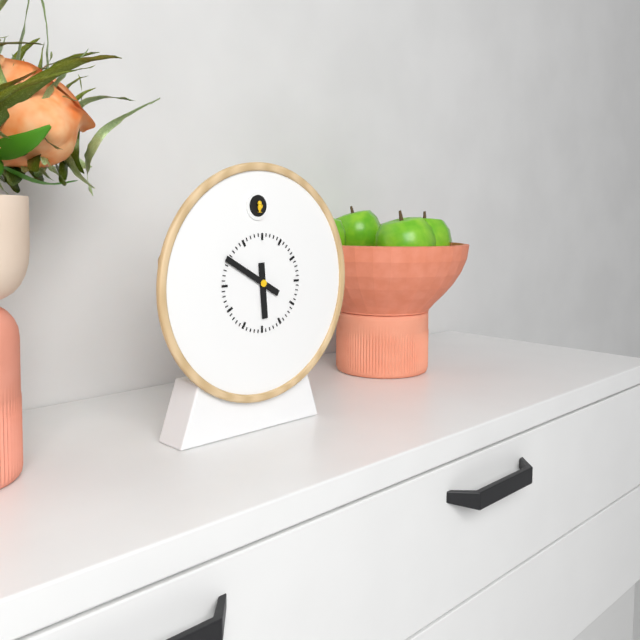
**5:50**
